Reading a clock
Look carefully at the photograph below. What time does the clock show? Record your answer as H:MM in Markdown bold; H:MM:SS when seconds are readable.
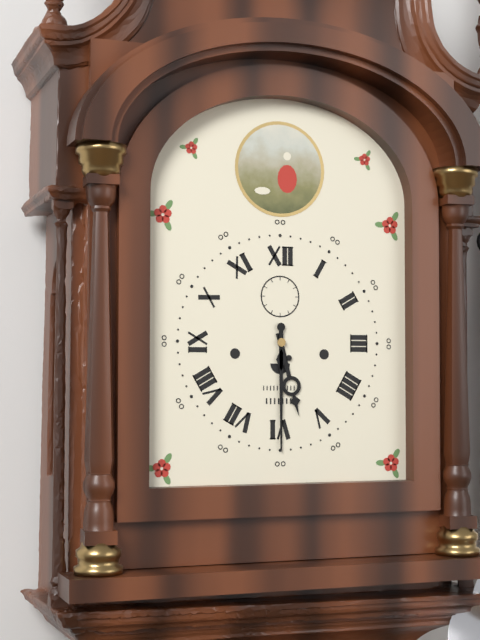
**5:30**
